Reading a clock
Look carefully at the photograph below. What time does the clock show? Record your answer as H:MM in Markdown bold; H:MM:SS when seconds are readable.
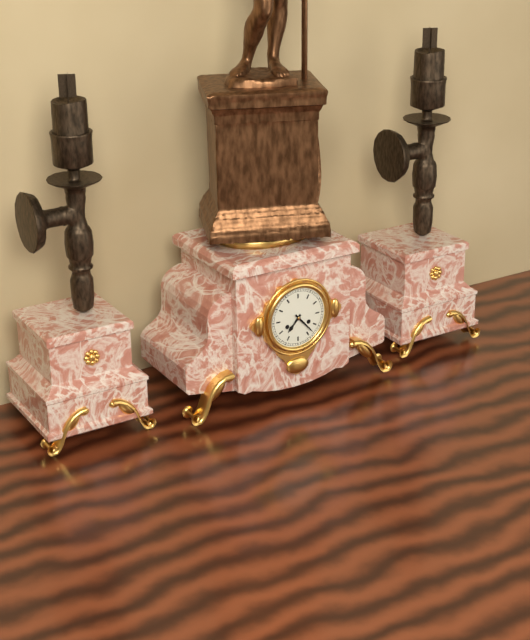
**7:23**
